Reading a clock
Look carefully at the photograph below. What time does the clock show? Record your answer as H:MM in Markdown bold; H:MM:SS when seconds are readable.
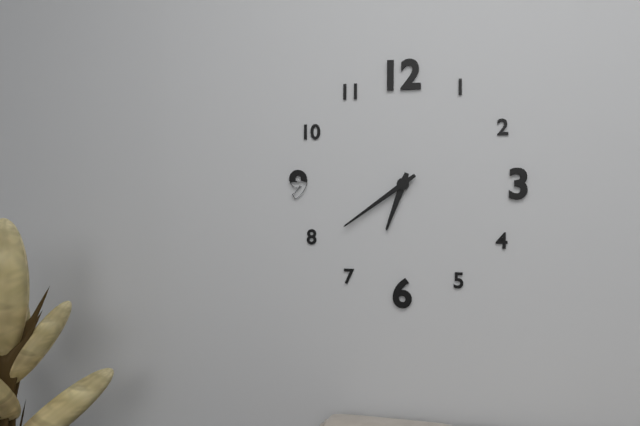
**6:39**
